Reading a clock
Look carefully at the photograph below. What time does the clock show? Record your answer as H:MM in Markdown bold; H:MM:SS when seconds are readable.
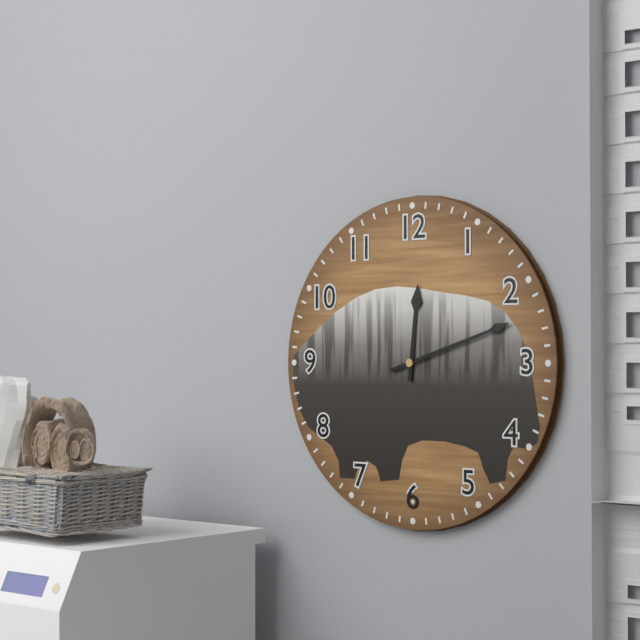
**12:12**
